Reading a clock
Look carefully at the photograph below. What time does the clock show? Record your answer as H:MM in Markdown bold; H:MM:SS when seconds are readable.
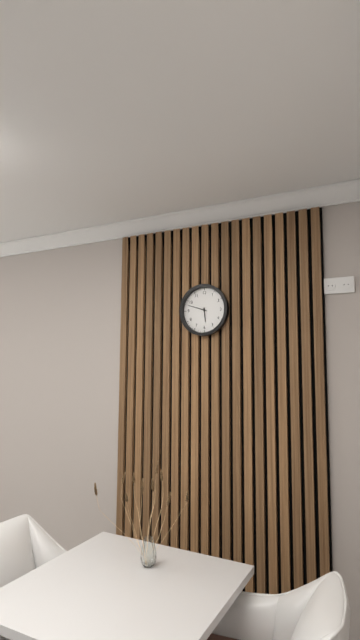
**5:48**
